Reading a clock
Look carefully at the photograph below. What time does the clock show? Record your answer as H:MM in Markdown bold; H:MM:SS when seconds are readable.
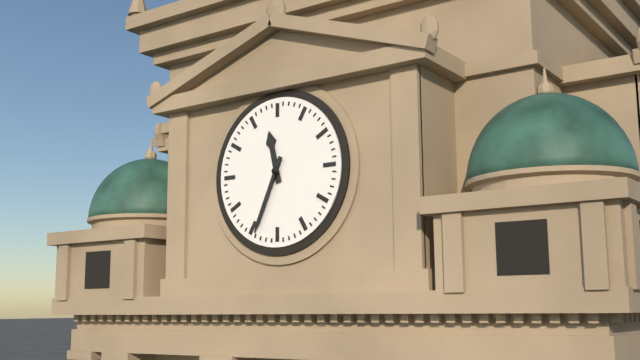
**11:34**
